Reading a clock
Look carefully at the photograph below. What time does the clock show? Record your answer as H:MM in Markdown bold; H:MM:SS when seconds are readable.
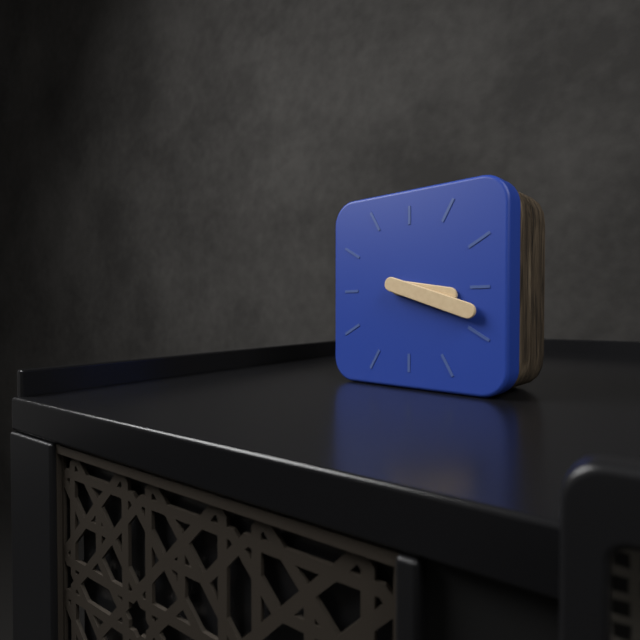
**3:18**
